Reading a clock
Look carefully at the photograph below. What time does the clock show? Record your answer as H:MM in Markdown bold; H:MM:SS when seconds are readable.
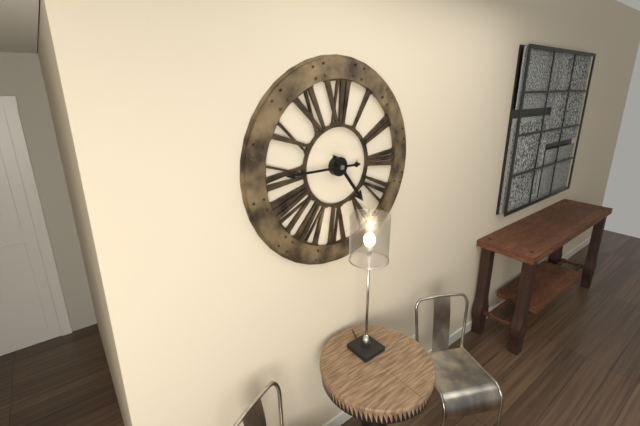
**4:45**
